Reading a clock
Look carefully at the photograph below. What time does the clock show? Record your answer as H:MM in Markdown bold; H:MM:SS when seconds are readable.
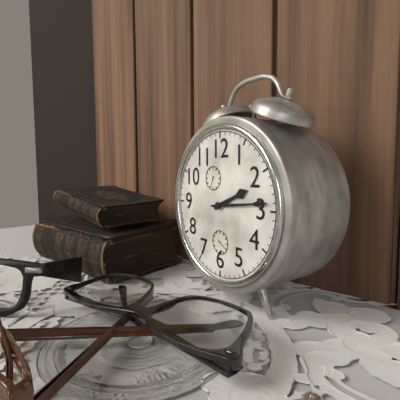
**2:14**
